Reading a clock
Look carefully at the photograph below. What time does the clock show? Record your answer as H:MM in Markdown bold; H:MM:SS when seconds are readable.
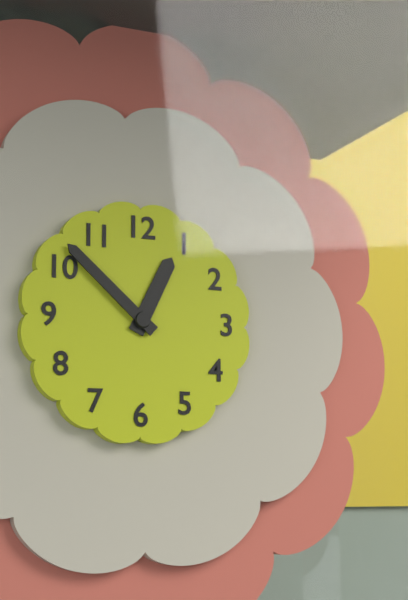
**12:52**
